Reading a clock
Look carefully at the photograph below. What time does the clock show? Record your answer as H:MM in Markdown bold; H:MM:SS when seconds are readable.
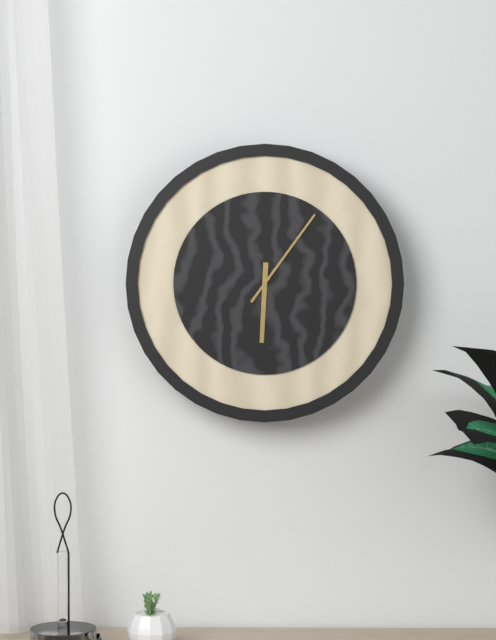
**6:06**
